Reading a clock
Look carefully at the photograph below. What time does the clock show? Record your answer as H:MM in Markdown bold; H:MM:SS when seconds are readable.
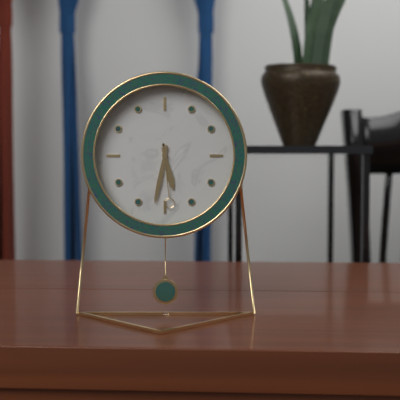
**5:32:29**
